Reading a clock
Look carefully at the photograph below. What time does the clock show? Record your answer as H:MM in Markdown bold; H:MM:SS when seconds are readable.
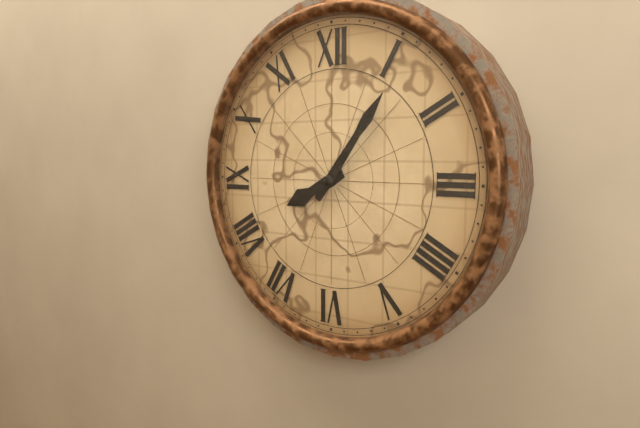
**8:06**
